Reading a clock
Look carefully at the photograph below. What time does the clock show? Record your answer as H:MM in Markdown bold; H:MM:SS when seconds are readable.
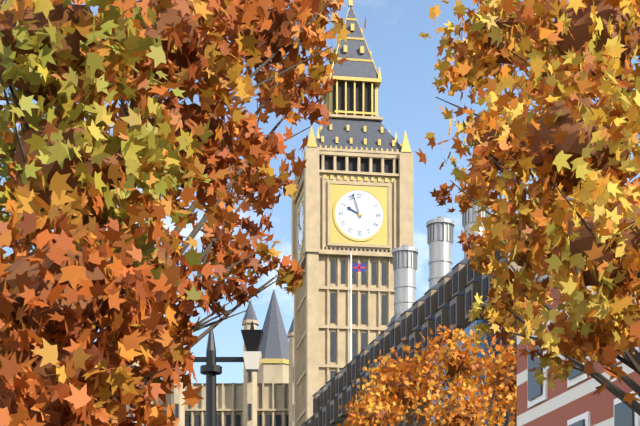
**9:57**
